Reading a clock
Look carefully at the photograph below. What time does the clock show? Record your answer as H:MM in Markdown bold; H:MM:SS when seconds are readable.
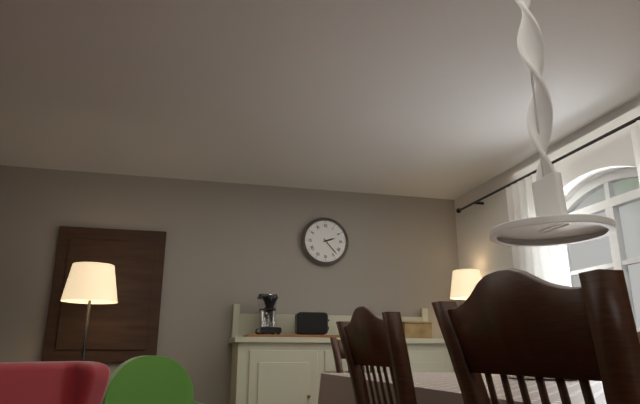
**2:23**
